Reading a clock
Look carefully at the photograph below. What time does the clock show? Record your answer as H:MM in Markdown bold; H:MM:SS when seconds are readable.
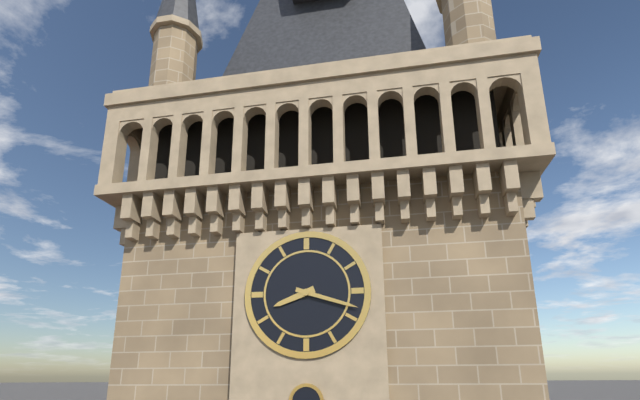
**8:18**
